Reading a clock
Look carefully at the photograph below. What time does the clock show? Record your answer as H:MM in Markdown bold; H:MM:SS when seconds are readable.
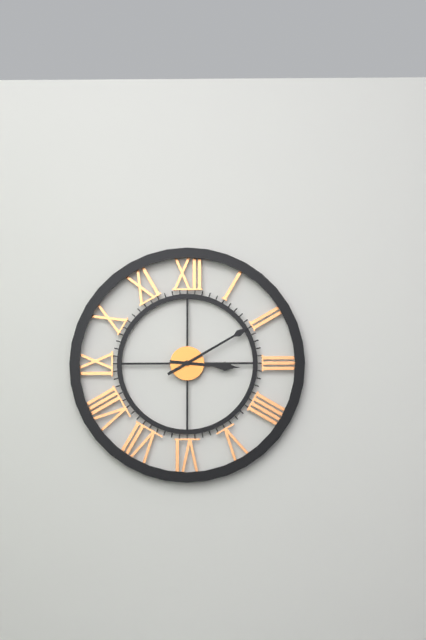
**3:10**
